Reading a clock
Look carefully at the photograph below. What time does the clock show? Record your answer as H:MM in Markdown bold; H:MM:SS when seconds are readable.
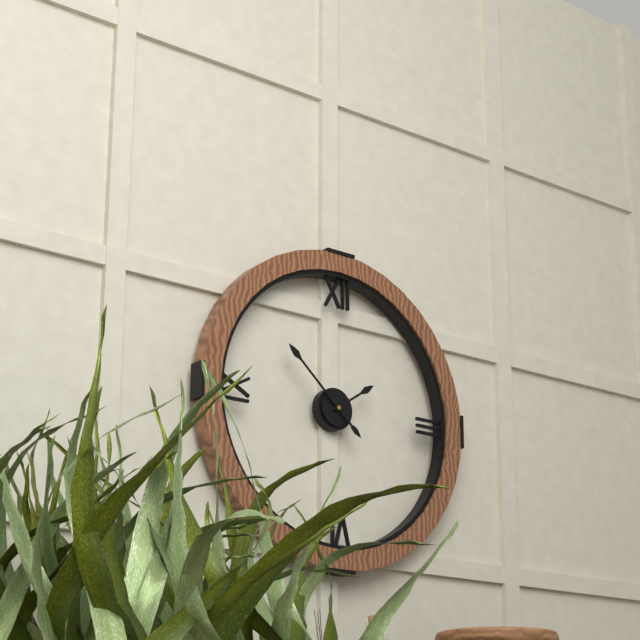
**1:52**
